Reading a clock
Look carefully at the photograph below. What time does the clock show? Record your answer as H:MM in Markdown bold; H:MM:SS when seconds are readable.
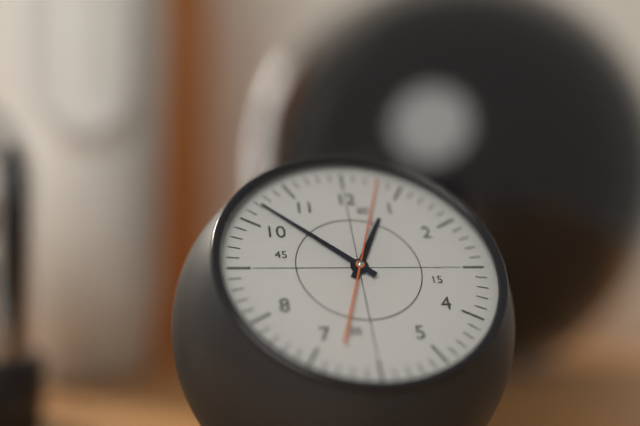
**12:52:03**
